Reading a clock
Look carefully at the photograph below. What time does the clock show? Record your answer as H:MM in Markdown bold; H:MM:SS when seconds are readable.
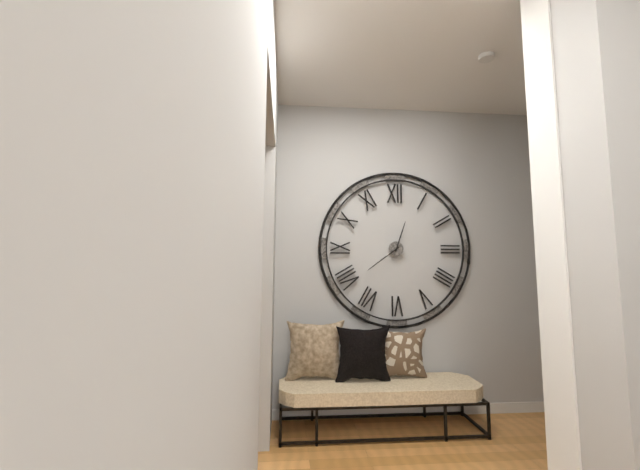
**12:39**
